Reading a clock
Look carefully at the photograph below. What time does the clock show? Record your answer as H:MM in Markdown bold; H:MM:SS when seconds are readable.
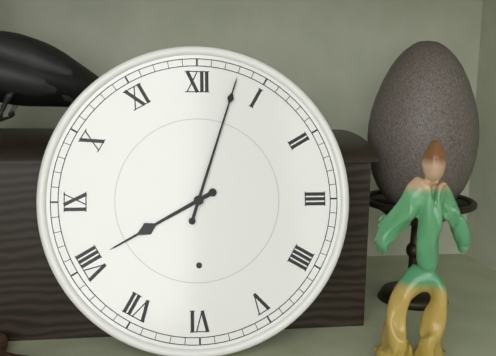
**8:03**
